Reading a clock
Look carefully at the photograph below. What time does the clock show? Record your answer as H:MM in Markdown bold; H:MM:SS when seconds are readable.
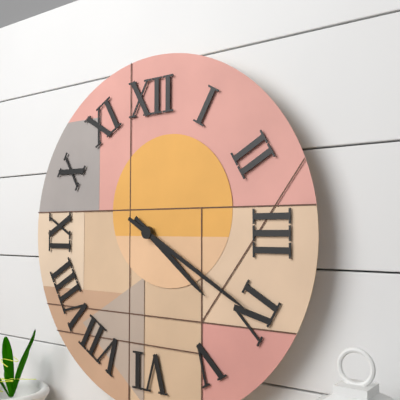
**4:20**
